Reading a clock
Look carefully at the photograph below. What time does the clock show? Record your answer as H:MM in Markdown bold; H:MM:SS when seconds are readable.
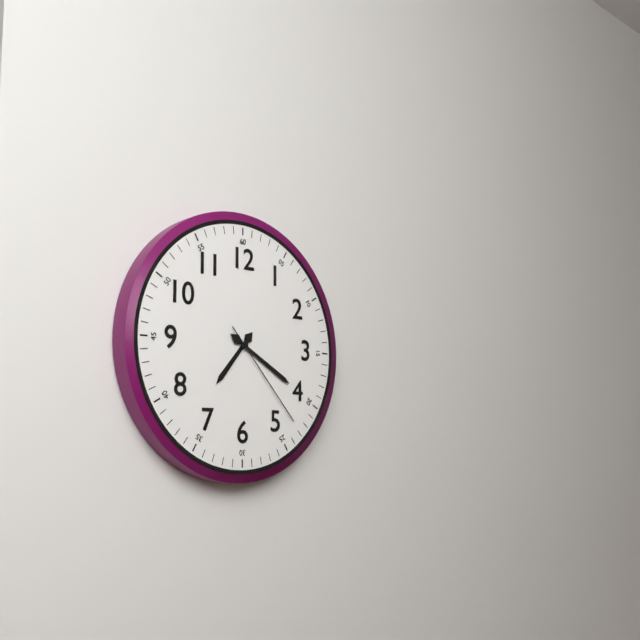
**7:20:23**
